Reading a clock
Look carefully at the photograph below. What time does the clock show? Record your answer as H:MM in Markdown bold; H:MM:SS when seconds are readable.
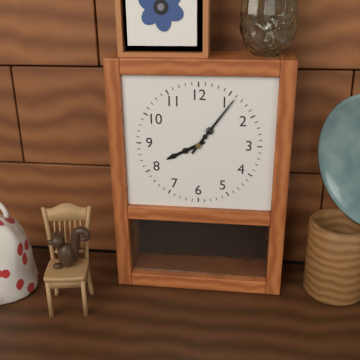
**8:06**
